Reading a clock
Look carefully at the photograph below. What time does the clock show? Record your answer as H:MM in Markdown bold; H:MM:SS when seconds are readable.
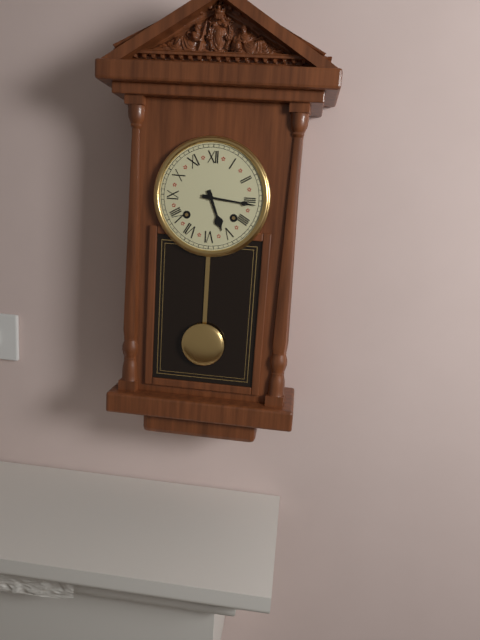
**5:16**
